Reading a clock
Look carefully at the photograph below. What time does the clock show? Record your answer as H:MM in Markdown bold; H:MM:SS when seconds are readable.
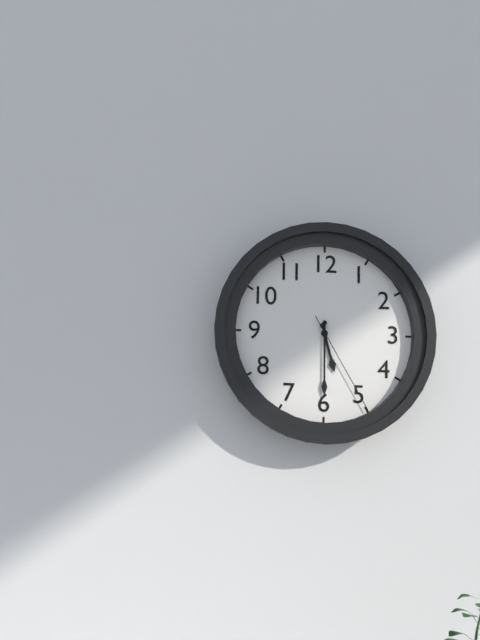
**5:30:25**
